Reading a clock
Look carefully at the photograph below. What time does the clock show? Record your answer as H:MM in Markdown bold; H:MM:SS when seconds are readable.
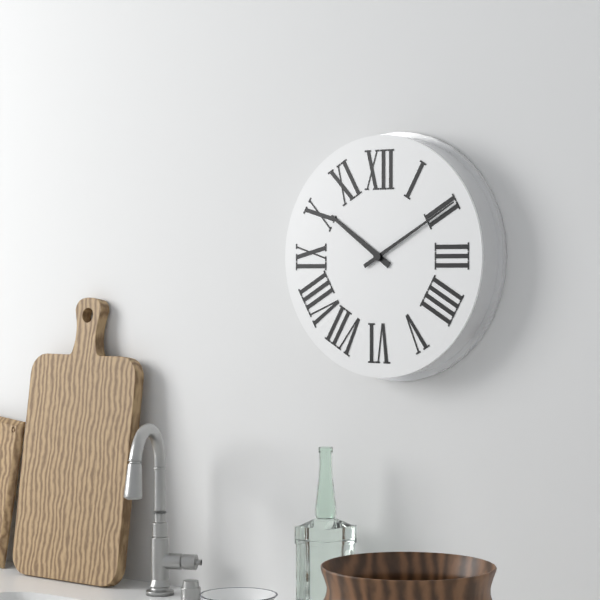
**10:10**
